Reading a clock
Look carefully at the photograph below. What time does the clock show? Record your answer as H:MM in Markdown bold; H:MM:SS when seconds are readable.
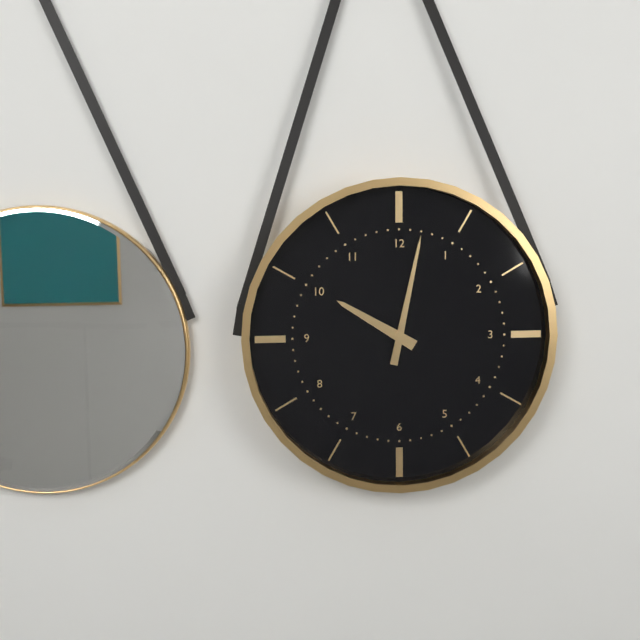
**10:02**
